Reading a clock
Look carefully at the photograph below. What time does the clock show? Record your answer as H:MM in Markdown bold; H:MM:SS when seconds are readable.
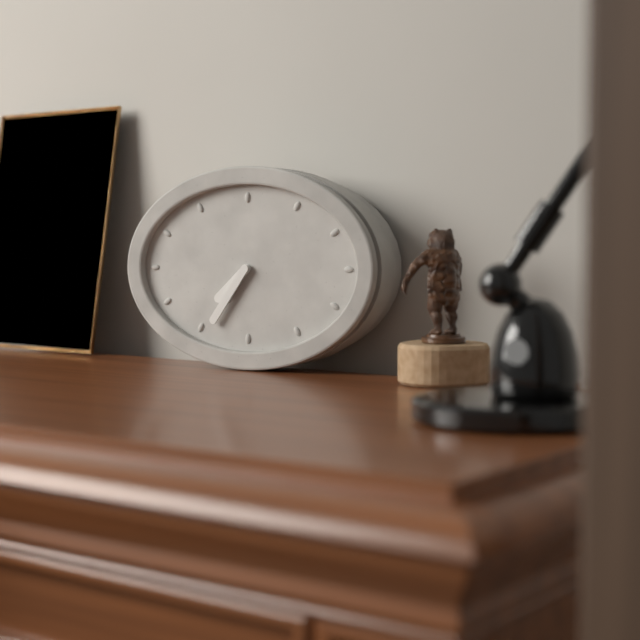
**7:36**
